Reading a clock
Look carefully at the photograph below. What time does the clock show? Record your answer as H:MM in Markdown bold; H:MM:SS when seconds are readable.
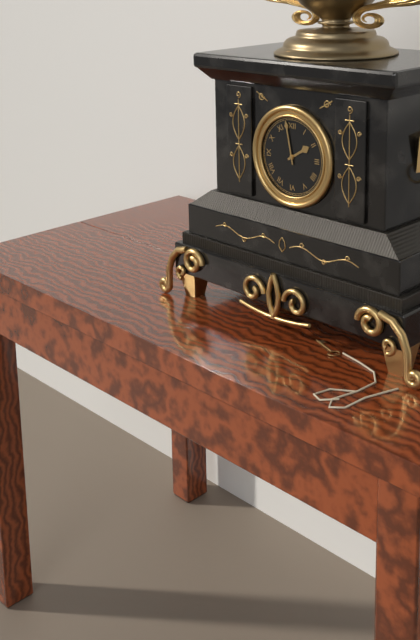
**1:58**
